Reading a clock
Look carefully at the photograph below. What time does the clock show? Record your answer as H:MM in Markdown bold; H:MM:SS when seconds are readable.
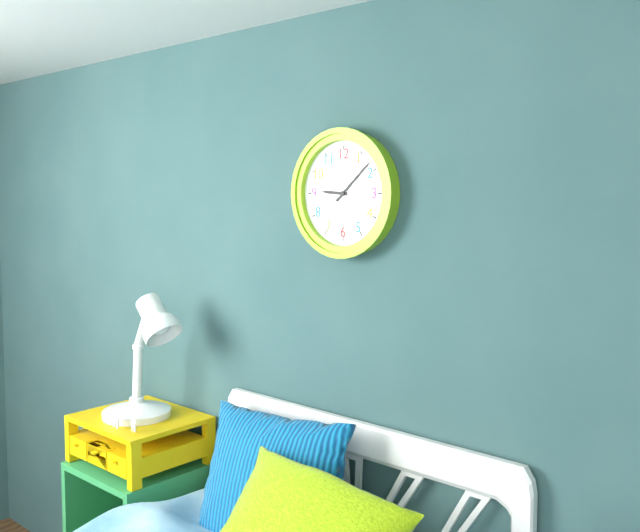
**9:08**
